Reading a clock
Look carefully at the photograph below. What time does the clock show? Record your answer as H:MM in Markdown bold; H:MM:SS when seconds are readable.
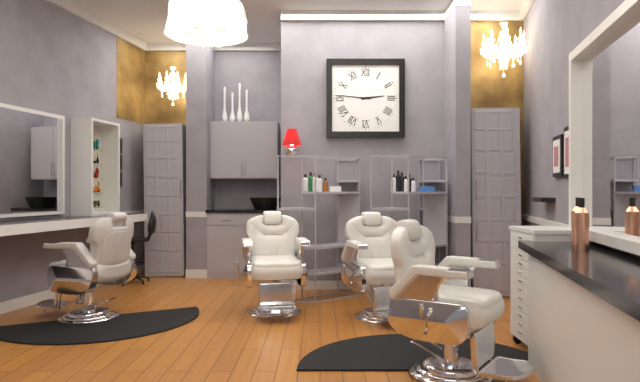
**2:46**
